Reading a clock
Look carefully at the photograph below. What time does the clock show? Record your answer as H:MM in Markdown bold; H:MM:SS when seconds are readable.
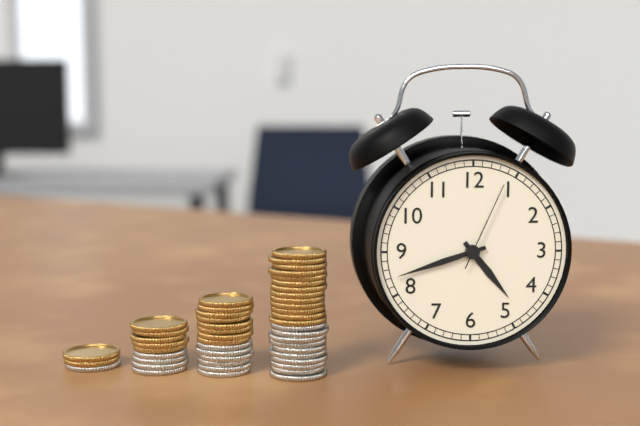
**4:42:04**
